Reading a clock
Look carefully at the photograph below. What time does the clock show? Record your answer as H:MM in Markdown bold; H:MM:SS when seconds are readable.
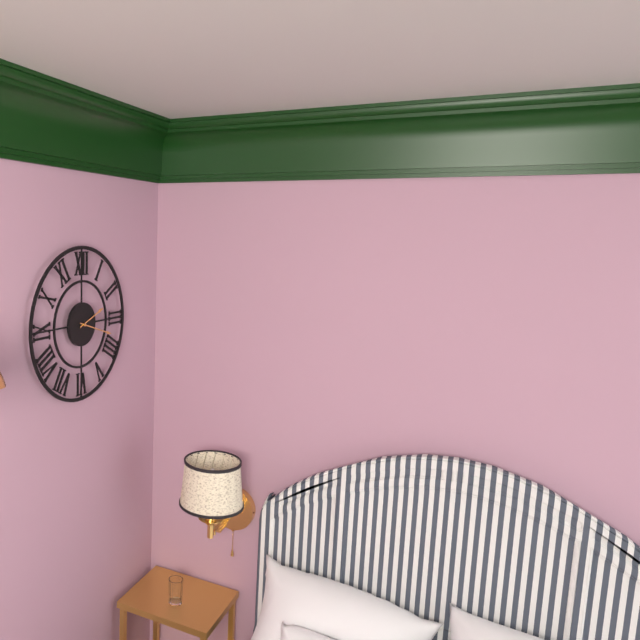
**2:18**
